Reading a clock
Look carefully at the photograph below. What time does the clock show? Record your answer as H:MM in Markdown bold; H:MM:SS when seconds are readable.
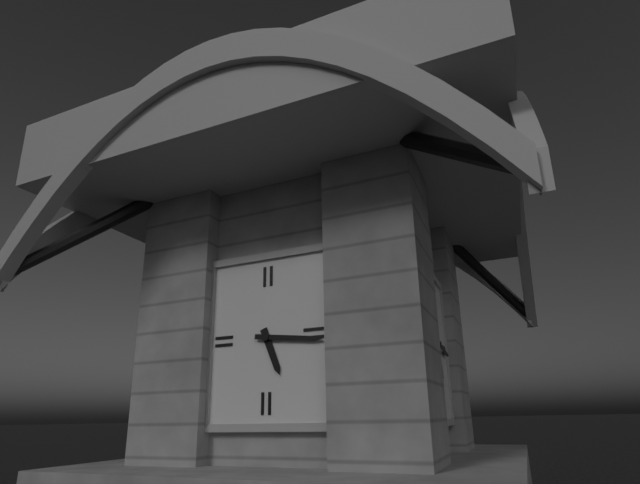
**5:16**
